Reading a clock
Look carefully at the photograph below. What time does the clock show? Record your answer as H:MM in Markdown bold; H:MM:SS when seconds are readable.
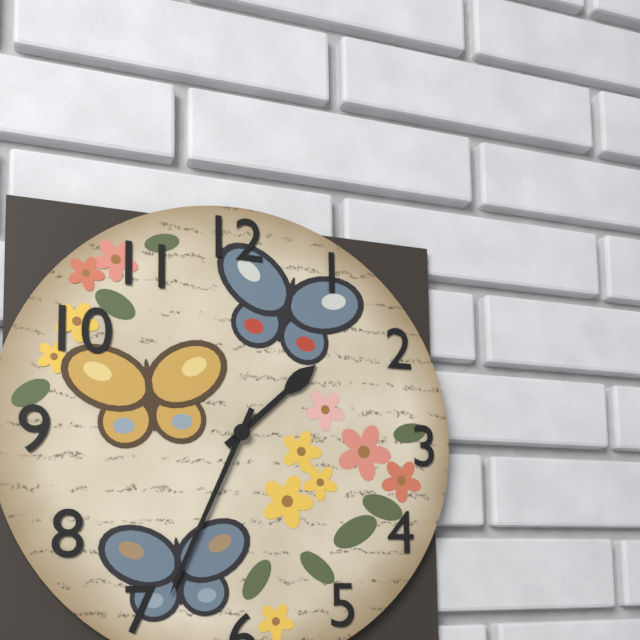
**1:34**
